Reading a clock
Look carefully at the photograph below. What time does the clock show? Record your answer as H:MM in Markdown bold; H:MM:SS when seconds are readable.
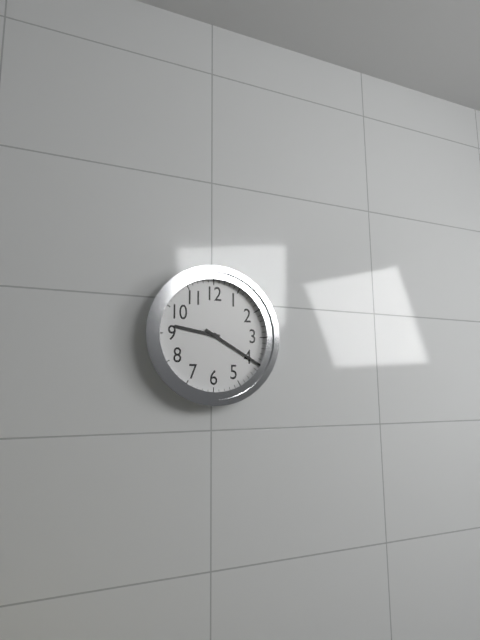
**9:20**
